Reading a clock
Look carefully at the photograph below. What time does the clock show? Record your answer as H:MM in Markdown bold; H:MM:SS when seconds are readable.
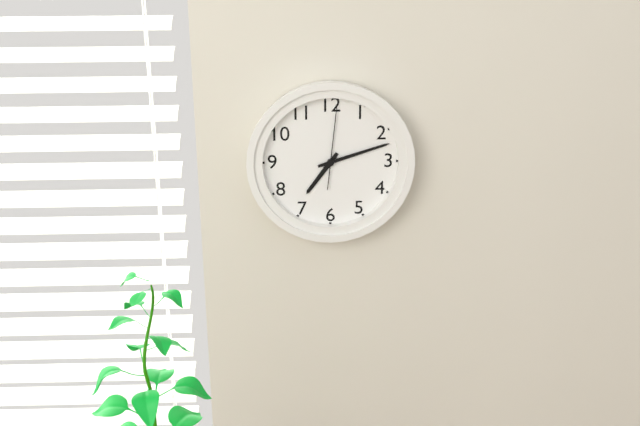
**7:12:01**
